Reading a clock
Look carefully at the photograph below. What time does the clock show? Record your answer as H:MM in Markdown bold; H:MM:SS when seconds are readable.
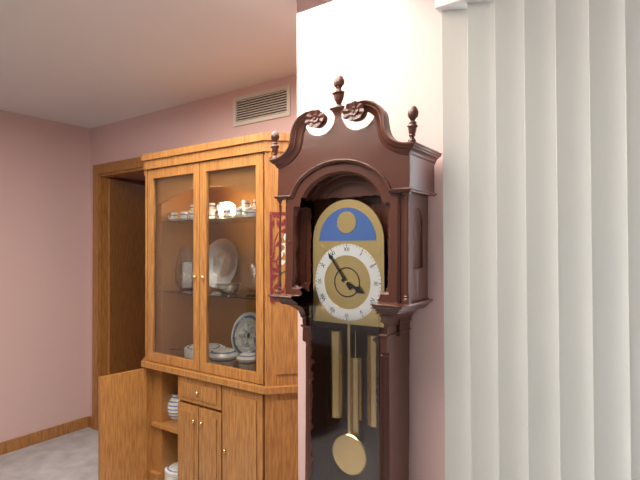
**3:54**
